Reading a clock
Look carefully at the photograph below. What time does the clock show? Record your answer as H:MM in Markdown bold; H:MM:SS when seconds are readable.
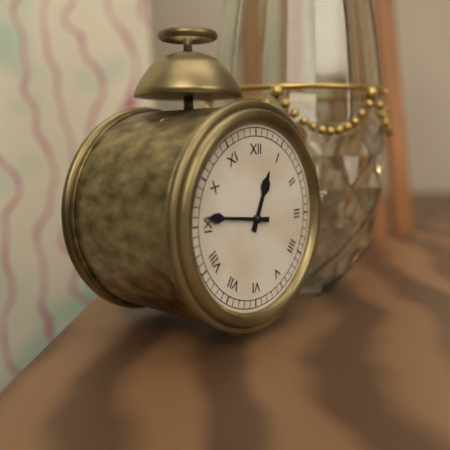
**12:46**
